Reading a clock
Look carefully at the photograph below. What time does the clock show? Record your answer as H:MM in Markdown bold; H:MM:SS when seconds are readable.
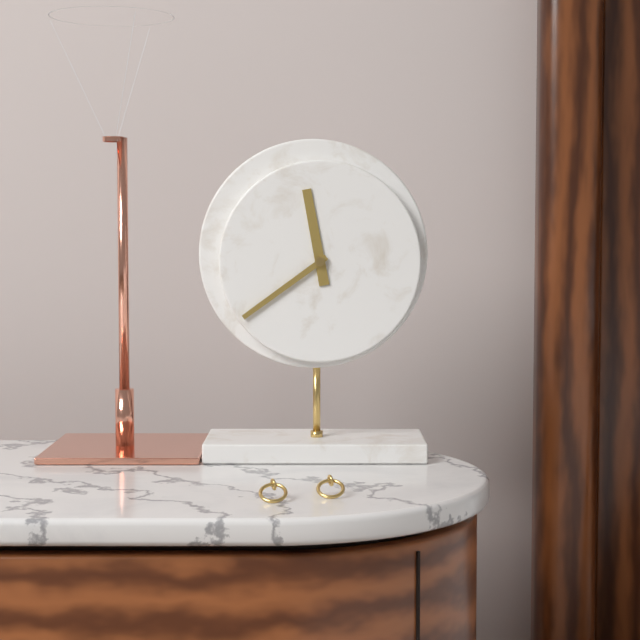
**11:39**
